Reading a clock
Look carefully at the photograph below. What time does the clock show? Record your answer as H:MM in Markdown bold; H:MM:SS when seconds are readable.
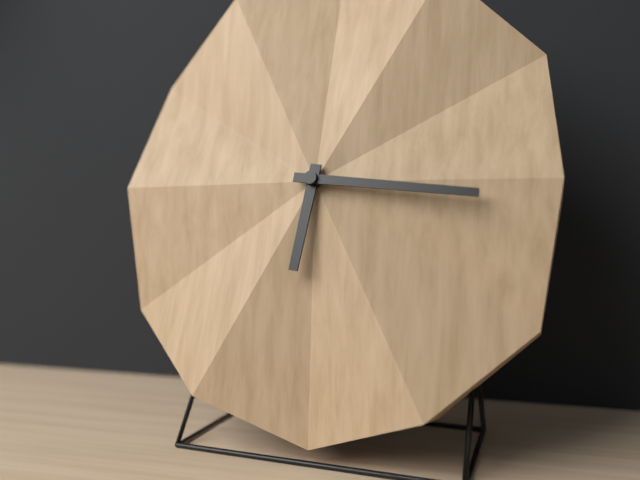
**6:16**
